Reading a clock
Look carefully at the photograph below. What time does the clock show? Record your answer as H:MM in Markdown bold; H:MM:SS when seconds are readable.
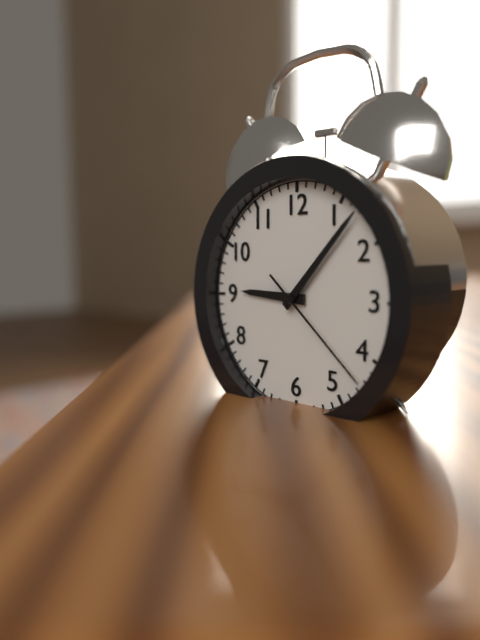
**9:07:22**
